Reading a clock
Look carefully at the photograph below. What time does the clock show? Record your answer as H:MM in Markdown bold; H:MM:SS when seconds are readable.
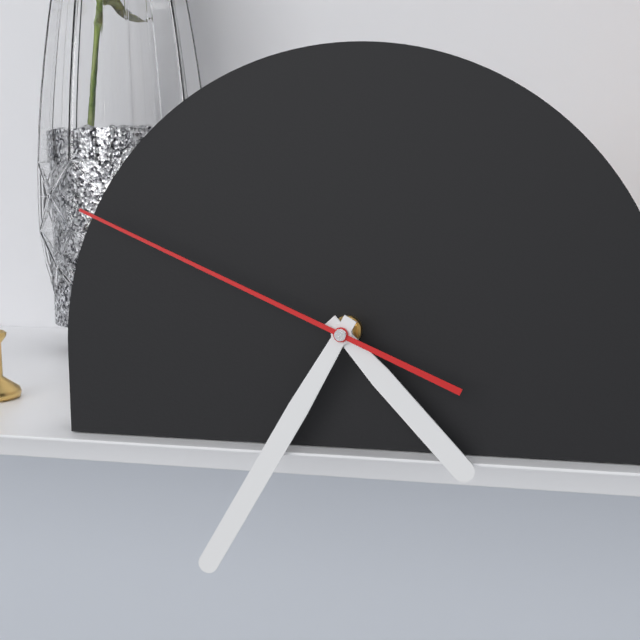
**4:35:49**
